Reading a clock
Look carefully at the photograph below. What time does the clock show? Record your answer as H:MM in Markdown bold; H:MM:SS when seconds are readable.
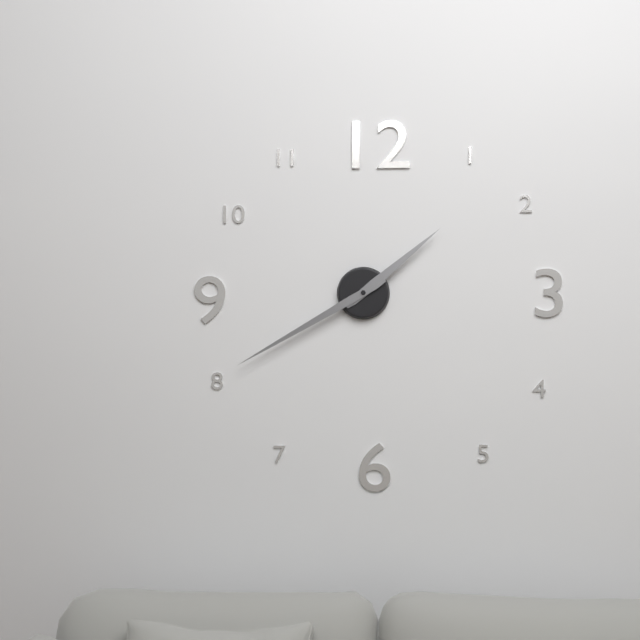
**1:40**
